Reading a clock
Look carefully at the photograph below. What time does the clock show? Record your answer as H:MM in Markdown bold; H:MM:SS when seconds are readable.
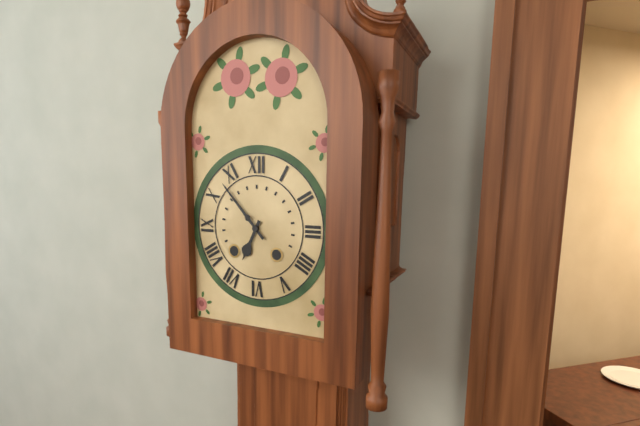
**6:53**
